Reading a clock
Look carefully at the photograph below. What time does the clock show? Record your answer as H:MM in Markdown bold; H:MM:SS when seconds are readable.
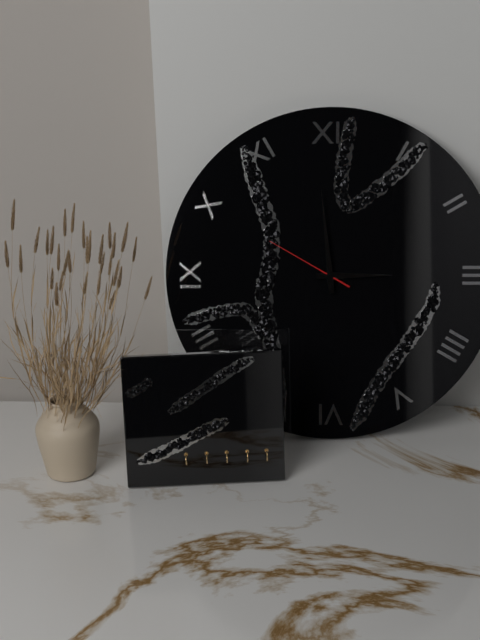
**2:59:50**
